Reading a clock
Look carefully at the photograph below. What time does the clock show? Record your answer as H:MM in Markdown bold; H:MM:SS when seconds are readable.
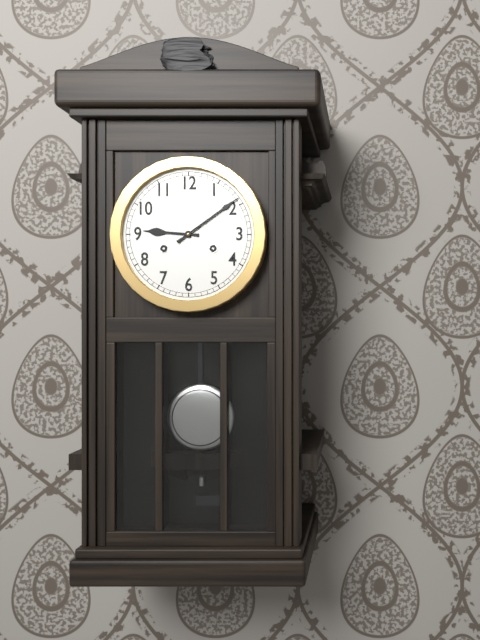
**9:09**
